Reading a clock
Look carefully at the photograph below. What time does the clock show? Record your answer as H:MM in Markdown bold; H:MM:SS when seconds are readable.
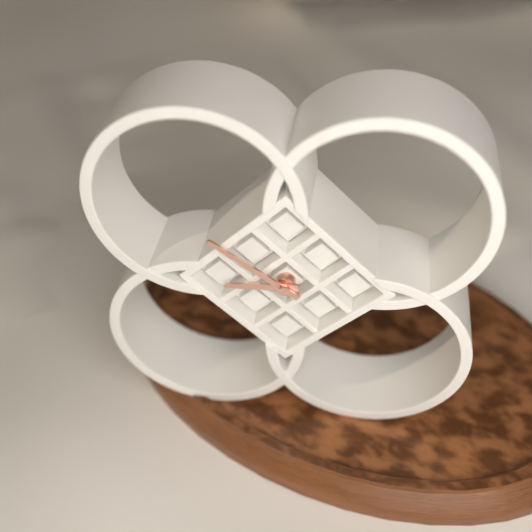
**8:51**
